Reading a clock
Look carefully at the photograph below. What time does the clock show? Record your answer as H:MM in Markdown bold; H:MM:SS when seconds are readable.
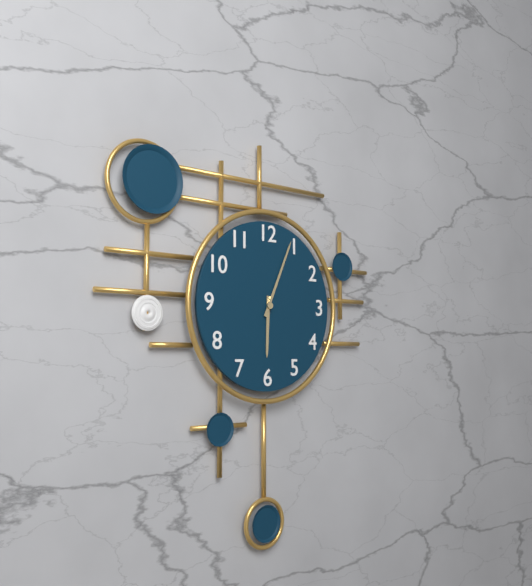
**6:04**
